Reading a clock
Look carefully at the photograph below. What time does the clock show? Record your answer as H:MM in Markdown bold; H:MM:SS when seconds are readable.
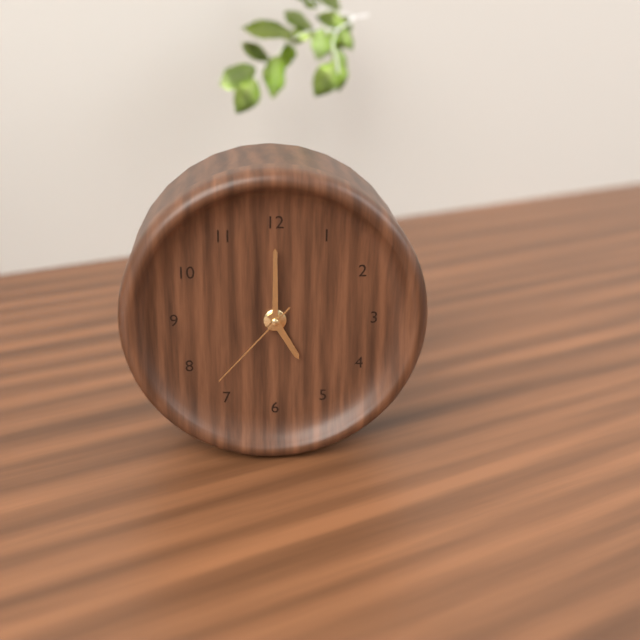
**5:00:37**
